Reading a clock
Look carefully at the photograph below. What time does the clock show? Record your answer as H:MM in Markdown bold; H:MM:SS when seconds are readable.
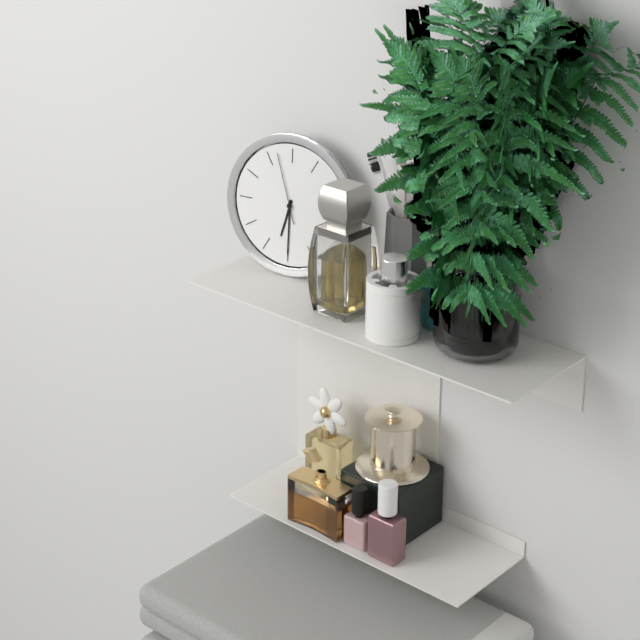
**6:30:57**
